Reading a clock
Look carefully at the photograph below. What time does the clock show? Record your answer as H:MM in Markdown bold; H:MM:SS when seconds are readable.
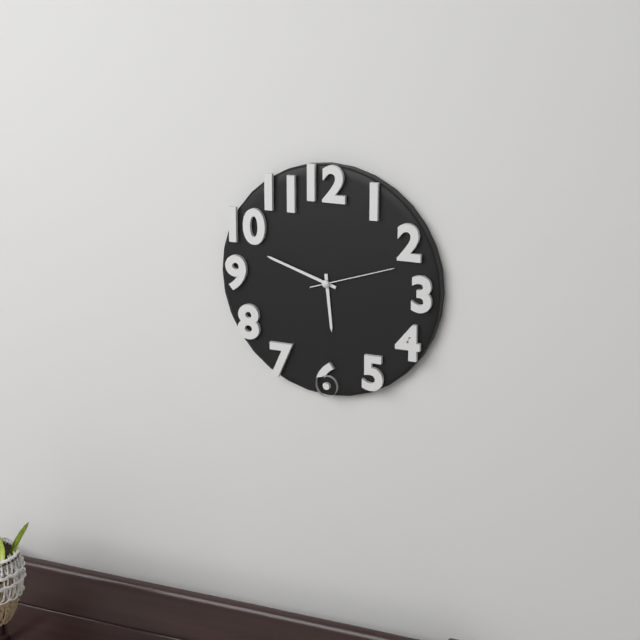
**5:48:12**
